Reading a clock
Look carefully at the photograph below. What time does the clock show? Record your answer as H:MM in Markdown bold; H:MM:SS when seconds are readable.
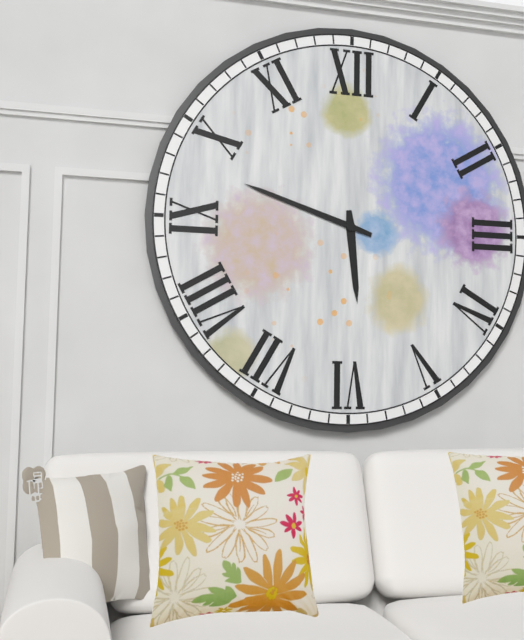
**5:48**
